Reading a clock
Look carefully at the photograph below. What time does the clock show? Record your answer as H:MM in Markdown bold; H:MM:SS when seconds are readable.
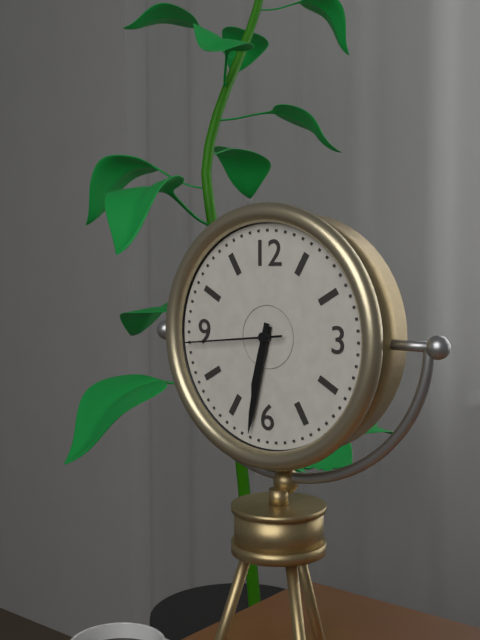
**6:32:44**
